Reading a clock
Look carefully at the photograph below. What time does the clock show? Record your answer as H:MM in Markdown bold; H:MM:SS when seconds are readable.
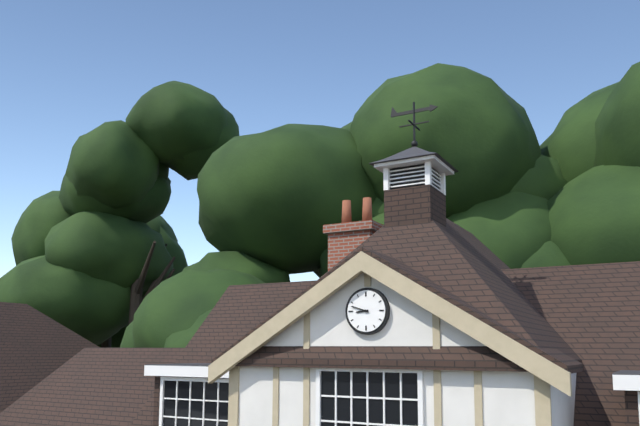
**8:48**
